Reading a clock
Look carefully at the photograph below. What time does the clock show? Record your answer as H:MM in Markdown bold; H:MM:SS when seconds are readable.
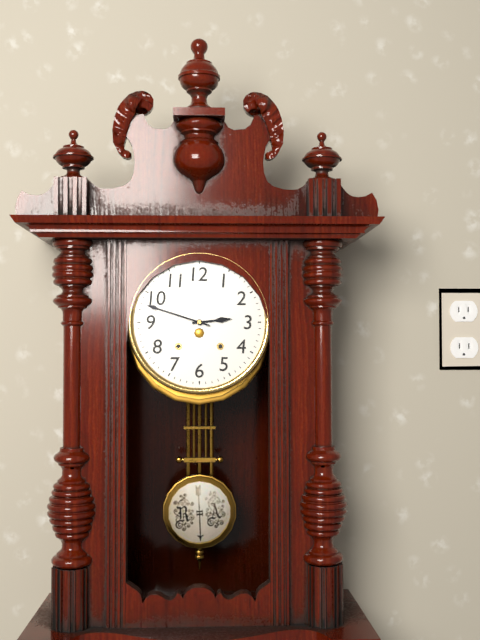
**2:48**
